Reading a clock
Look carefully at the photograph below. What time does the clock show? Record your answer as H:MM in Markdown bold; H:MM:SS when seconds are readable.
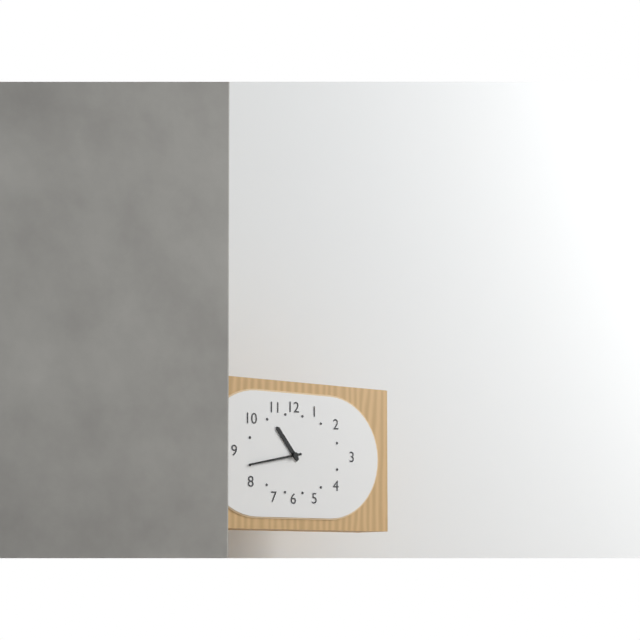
**10:43**
